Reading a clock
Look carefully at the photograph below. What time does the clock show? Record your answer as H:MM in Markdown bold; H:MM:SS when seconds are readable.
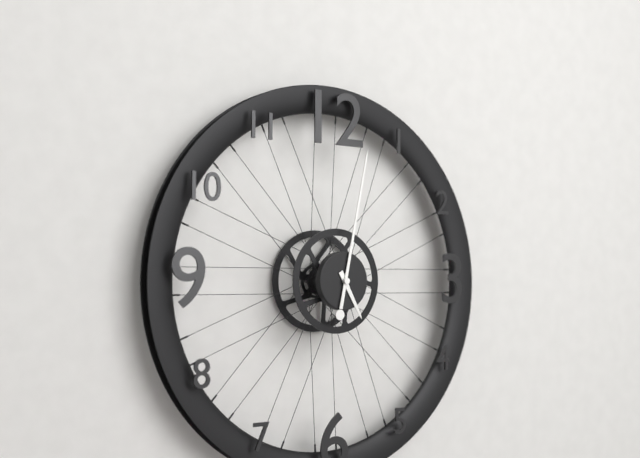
**5:02**
